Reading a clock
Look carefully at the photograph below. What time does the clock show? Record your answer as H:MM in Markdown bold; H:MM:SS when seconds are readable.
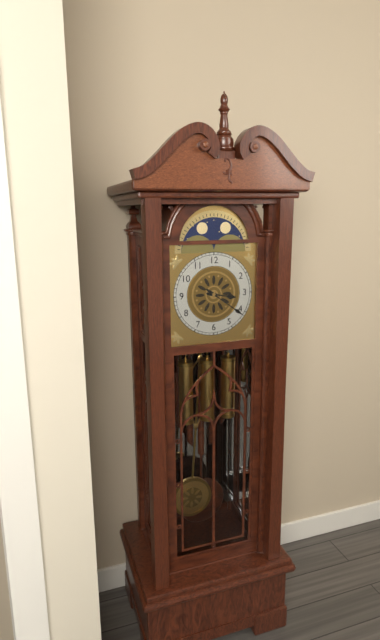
**3:21**
